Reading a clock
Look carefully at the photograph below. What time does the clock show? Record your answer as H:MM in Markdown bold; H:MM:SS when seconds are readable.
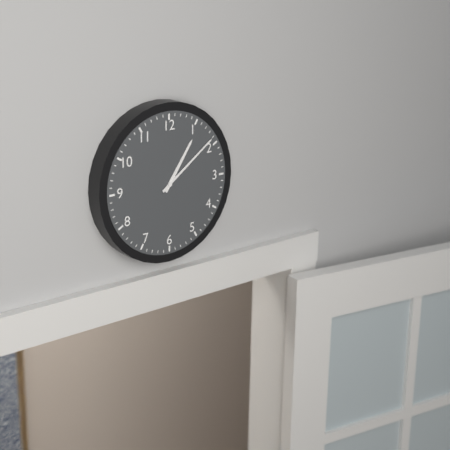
**1:09**
